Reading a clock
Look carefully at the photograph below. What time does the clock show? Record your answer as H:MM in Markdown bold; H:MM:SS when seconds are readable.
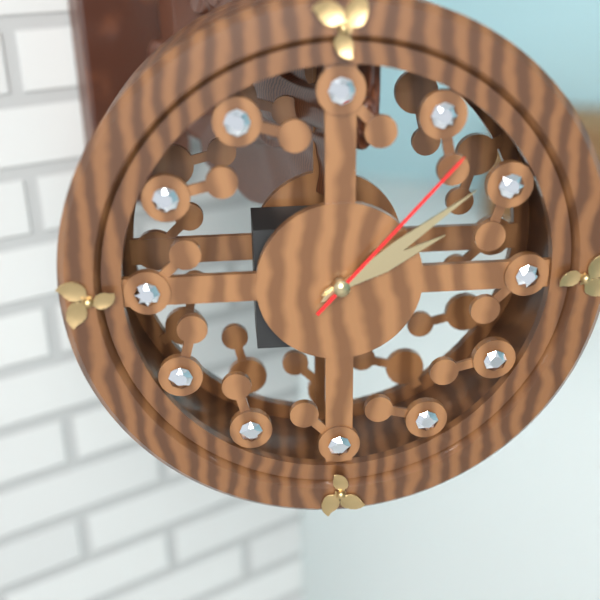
**2:09:07**
